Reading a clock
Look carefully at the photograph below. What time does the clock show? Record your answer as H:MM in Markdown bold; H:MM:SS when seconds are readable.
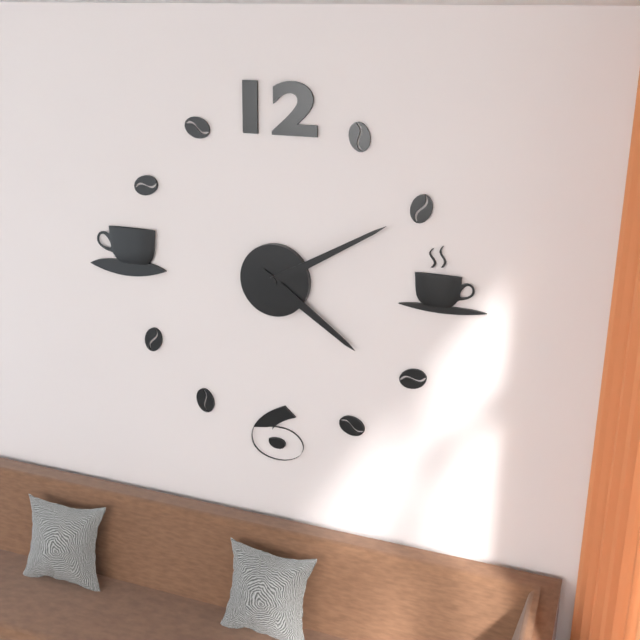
**4:10**
